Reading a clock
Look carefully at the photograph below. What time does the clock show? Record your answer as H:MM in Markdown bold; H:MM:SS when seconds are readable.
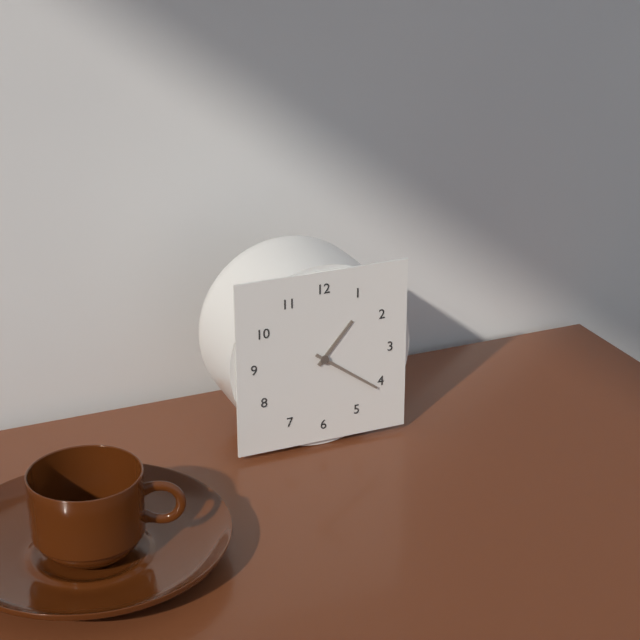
**1:21**
